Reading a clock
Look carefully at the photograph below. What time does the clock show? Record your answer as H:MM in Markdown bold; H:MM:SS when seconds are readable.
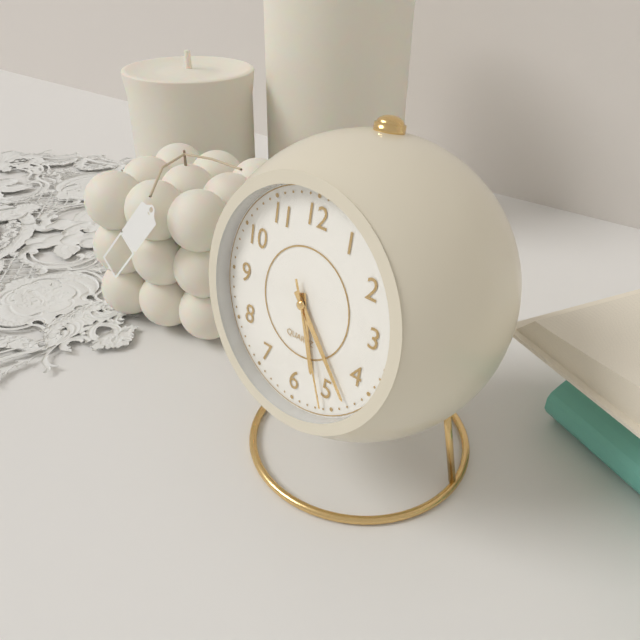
**5:23:26**
